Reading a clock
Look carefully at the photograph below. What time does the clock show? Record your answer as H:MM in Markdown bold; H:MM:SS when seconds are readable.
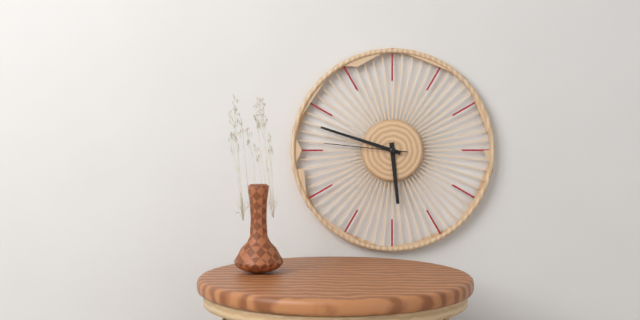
**5:48:46**
